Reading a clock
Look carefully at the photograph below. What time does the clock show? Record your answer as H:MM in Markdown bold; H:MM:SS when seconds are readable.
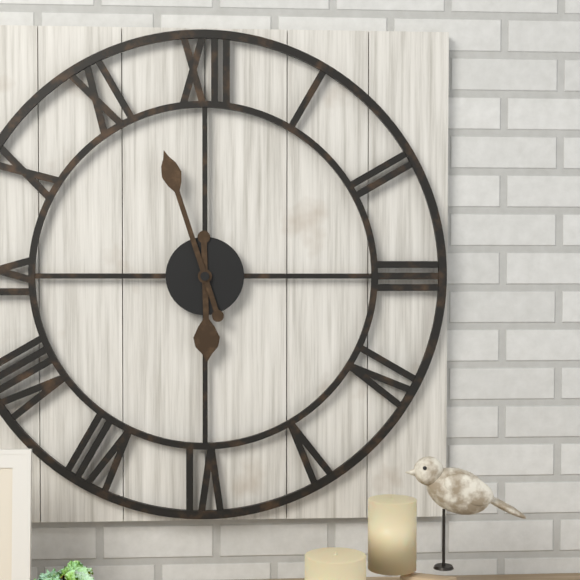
**5:57**
